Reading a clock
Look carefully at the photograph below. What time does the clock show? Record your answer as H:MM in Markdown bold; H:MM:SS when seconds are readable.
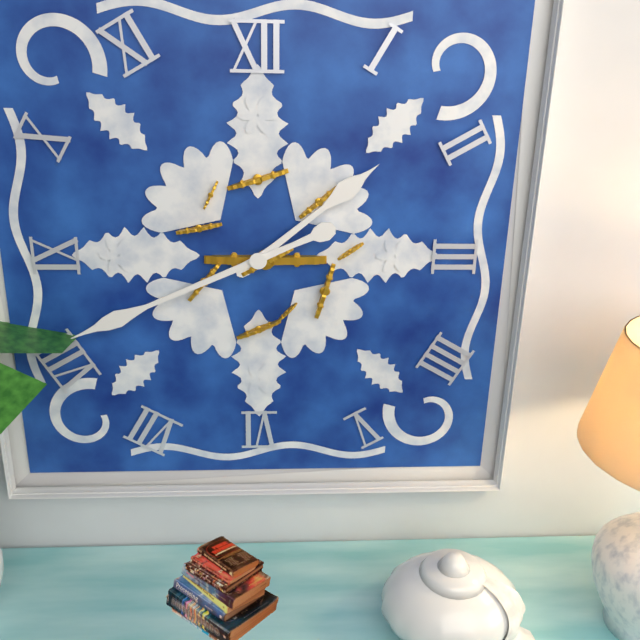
**1:41**
